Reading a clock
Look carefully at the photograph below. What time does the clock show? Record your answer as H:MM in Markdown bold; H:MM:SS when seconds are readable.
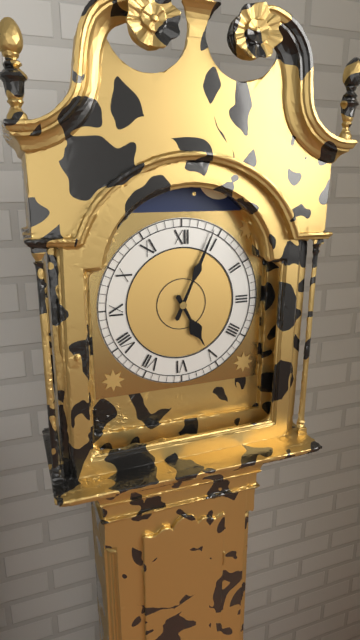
**5:04**
